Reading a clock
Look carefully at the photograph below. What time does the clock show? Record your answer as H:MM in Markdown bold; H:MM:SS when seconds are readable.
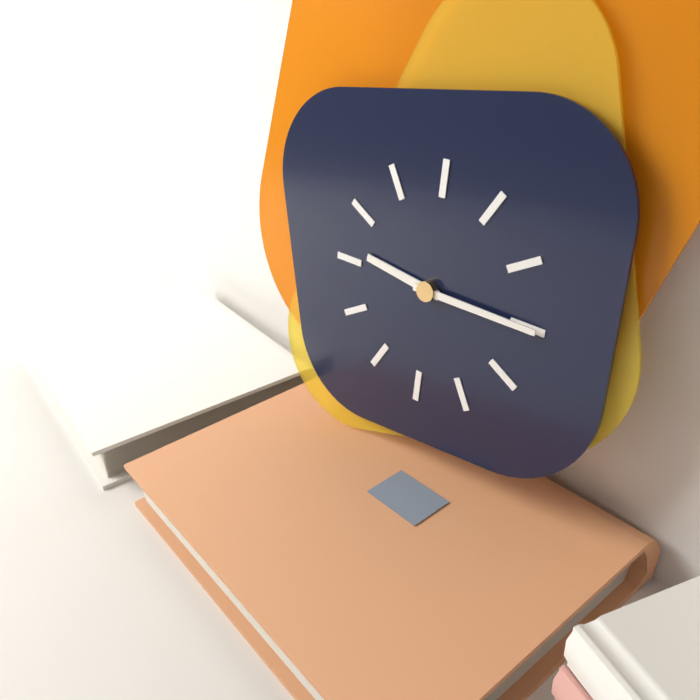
**9:15**
